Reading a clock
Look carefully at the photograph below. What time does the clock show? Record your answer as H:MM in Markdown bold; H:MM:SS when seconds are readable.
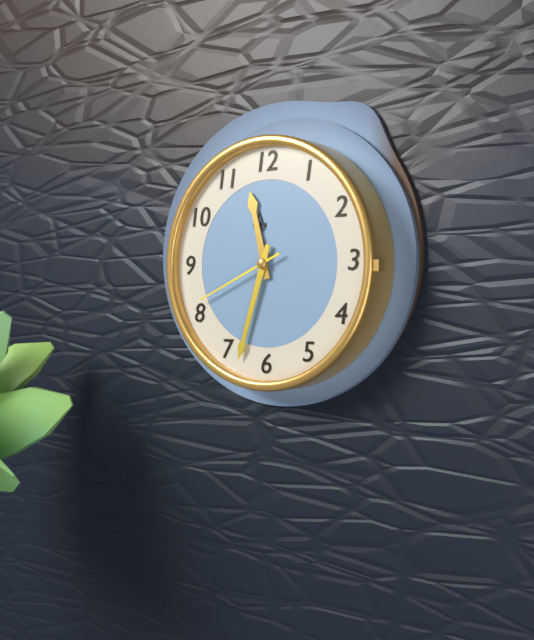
**11:33:41**
